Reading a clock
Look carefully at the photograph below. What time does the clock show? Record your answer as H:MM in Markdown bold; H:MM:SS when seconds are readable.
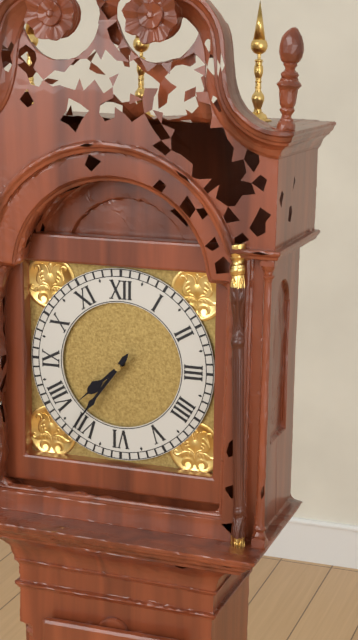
**7:36**
